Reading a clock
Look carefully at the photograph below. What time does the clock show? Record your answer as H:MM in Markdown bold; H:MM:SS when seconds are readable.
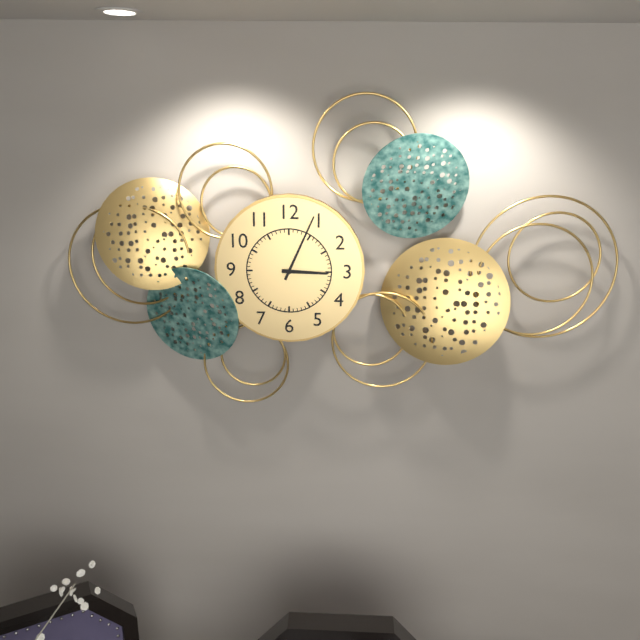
**3:04**
